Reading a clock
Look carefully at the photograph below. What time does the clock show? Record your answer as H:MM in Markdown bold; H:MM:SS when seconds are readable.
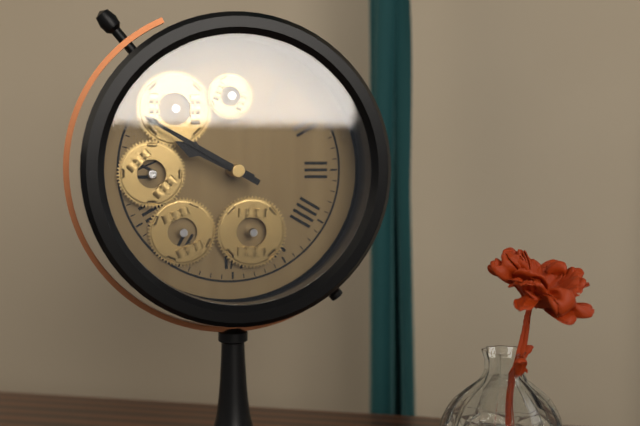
**9:50**
